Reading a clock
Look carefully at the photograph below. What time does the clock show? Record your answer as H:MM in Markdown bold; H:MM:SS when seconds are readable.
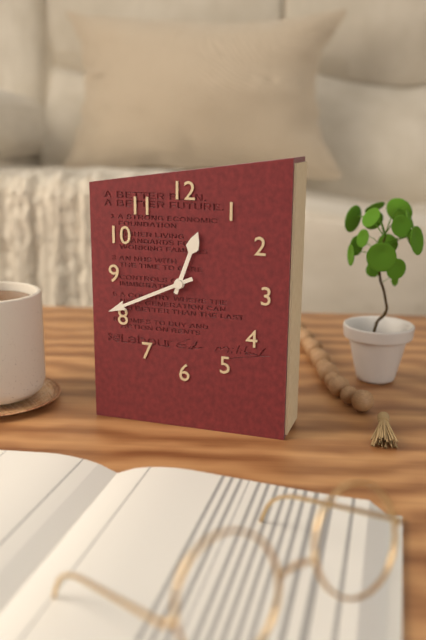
**12:41**
